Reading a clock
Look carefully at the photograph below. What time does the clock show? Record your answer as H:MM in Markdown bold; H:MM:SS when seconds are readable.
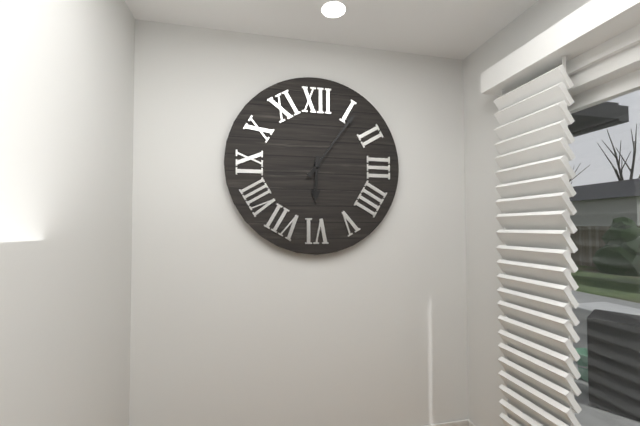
**6:06**
